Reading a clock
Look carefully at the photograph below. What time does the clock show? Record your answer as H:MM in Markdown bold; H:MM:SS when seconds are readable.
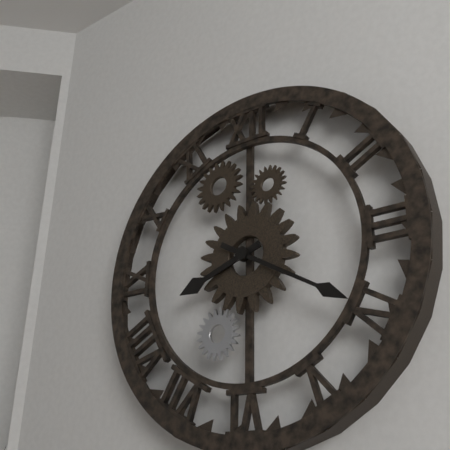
**8:20**
